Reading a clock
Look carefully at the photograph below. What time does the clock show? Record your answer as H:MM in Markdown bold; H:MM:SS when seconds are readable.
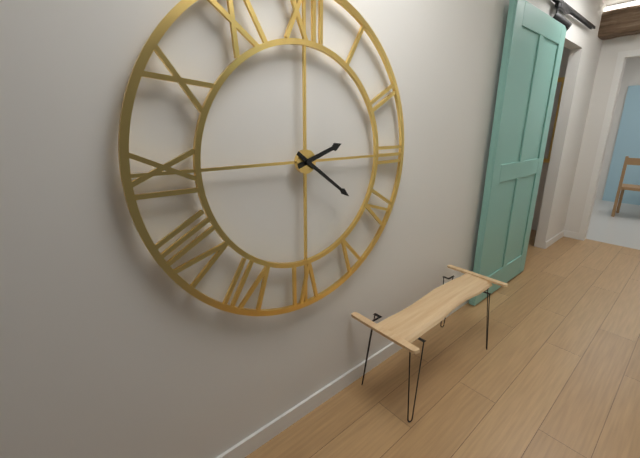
**2:21**
